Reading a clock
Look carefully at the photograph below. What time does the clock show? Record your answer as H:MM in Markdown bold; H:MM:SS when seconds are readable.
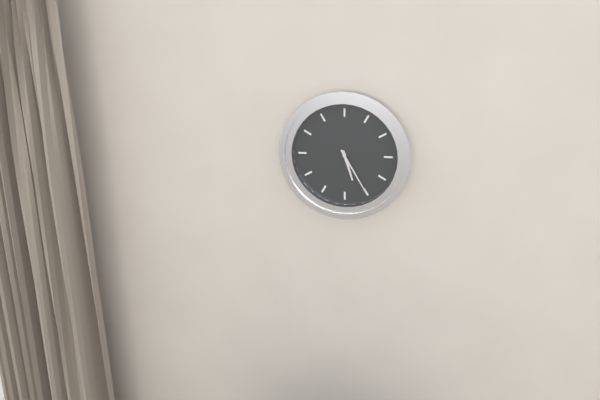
**5:25**
